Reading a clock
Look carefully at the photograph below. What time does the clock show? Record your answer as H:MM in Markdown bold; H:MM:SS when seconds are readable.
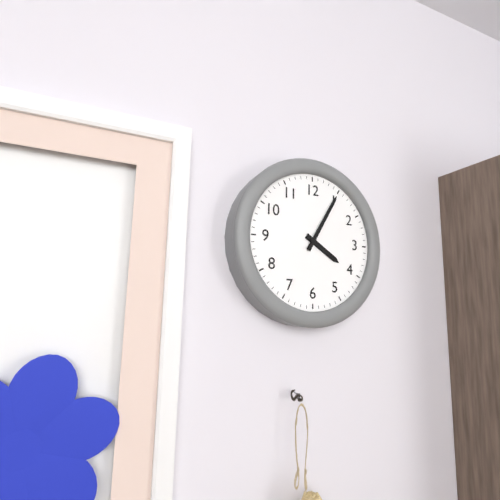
**4:05**
